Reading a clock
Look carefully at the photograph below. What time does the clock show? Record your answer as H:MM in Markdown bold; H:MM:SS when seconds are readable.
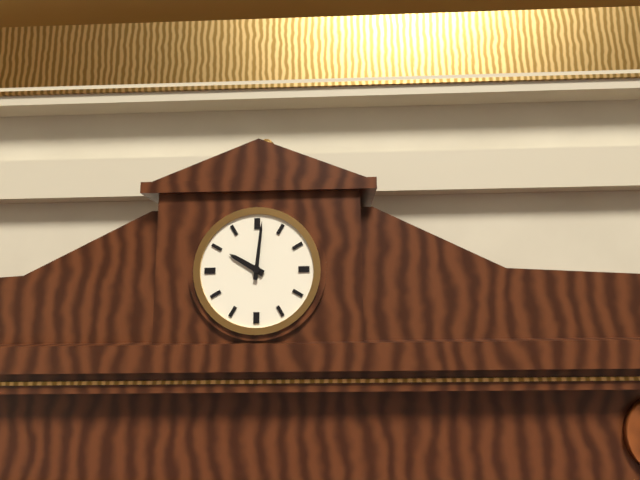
**10:01**
